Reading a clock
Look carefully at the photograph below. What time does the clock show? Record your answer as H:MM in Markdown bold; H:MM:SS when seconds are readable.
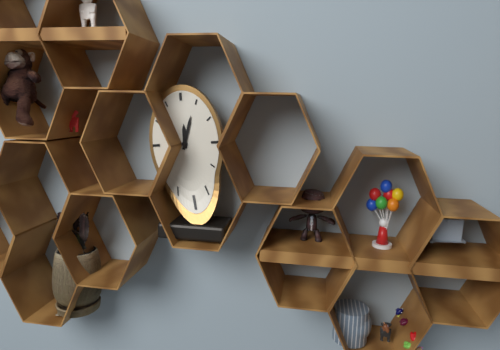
**12:03**
